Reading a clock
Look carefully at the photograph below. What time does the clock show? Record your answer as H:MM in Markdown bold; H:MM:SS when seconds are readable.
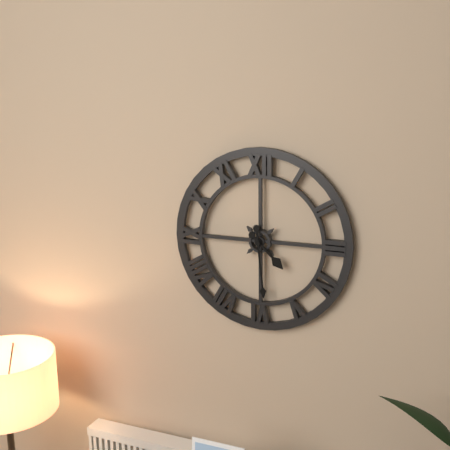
**4:29**
